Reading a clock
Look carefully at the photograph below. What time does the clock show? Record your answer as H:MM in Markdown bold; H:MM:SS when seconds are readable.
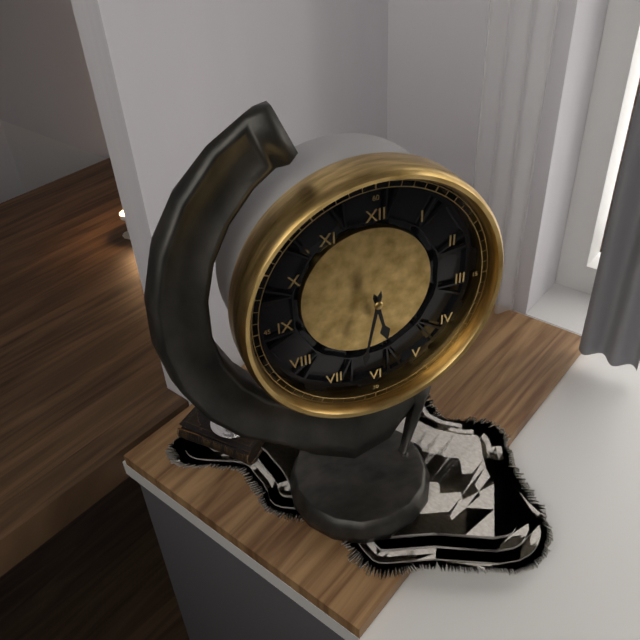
**5:32**
